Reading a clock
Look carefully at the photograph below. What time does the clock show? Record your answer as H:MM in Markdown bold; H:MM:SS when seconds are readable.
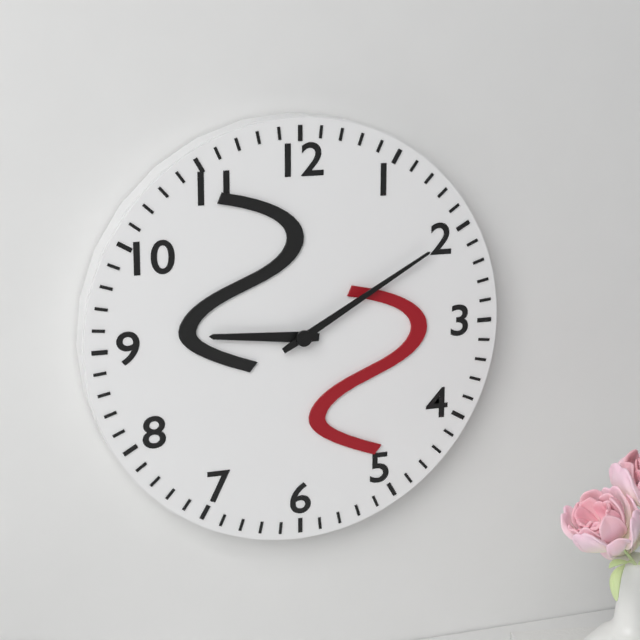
**9:10**
